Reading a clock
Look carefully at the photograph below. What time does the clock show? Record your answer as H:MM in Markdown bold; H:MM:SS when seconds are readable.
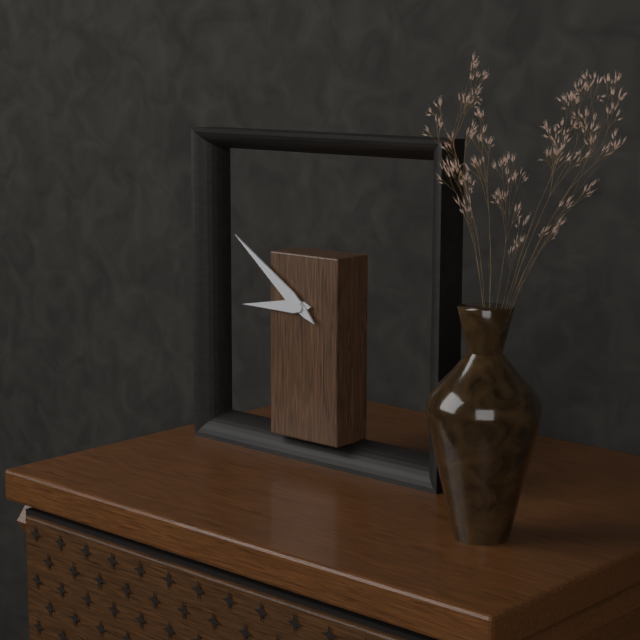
**8:51**
